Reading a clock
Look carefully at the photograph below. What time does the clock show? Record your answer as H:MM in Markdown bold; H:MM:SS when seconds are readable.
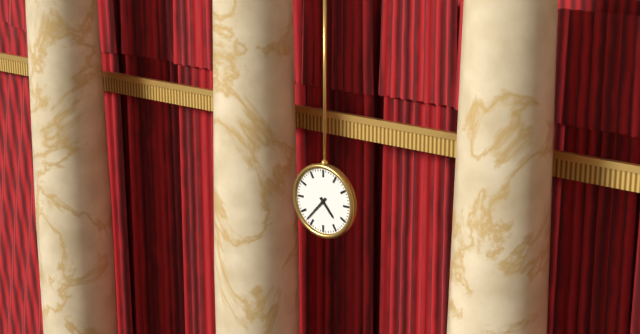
**4:37**
